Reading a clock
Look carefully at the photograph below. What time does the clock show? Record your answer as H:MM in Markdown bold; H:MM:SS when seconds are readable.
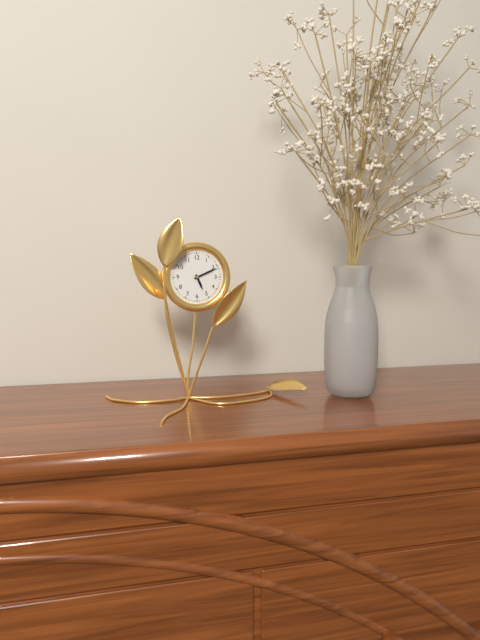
**5:11**
